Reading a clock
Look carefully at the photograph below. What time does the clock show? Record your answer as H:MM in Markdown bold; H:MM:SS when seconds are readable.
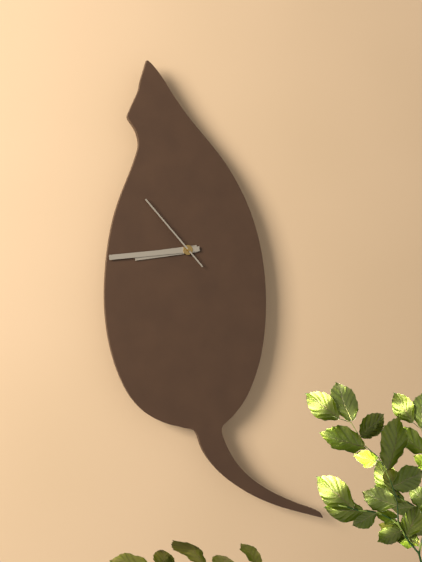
**8:44:53**
